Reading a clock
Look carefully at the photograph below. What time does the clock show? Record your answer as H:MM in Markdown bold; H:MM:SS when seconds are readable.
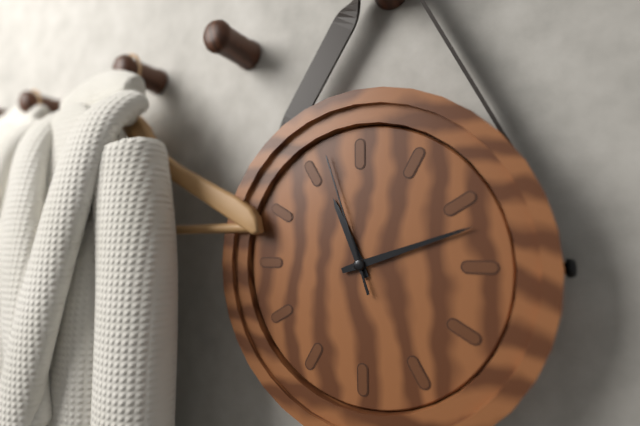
**11:12:57**
